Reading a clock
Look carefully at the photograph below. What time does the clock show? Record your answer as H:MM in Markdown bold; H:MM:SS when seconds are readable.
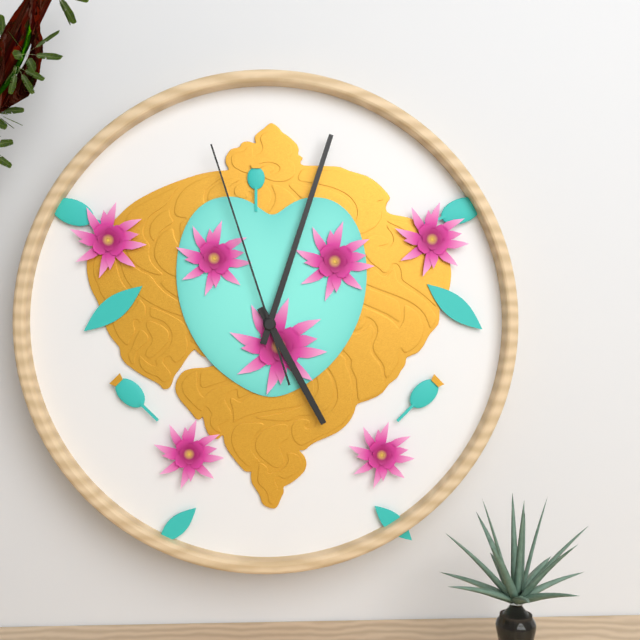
**5:03:57**
